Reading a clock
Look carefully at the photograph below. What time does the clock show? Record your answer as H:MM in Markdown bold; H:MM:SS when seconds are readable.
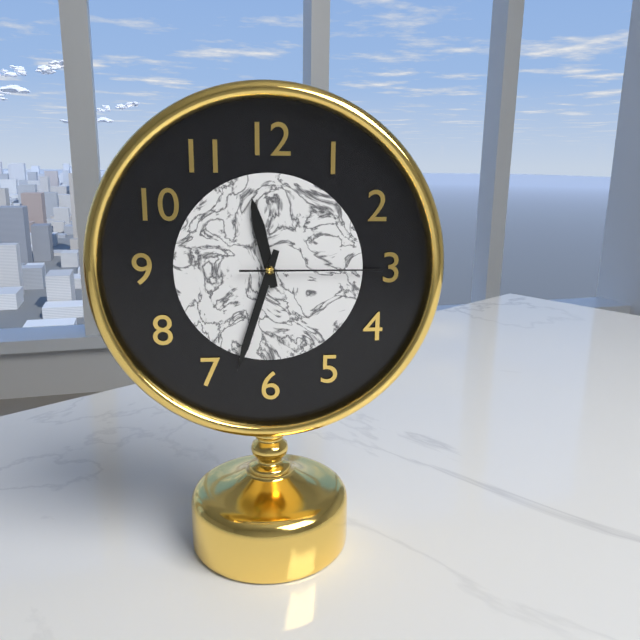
**11:33:15**
